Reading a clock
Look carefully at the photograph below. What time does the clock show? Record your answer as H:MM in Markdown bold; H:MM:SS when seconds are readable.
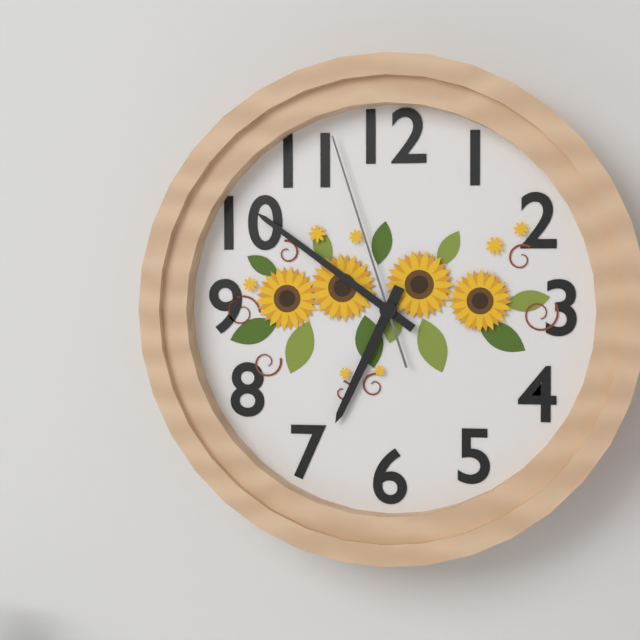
**6:51:57**
